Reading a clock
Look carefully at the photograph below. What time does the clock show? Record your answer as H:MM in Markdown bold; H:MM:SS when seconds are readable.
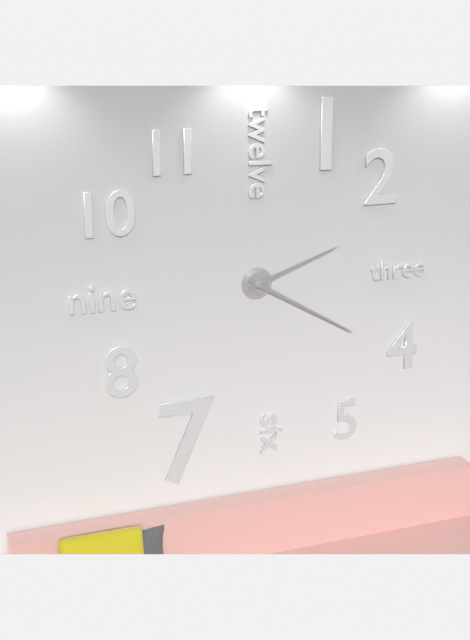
**2:20**
